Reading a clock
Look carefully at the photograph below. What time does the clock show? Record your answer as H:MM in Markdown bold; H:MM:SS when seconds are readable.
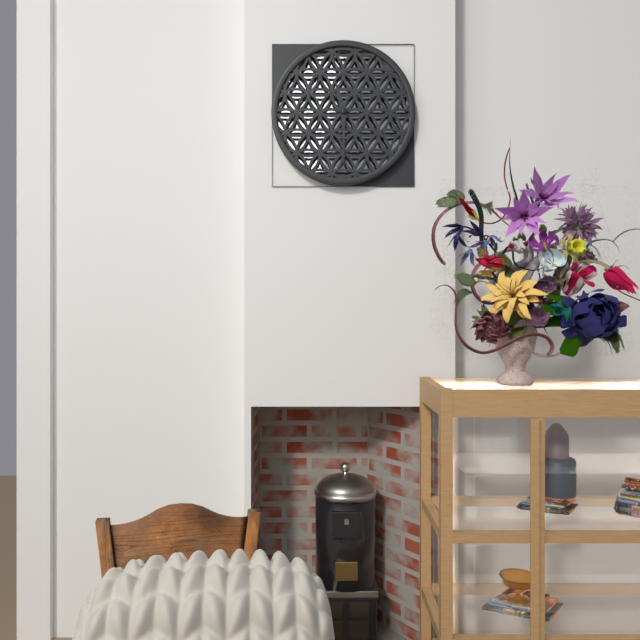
**11:30**
